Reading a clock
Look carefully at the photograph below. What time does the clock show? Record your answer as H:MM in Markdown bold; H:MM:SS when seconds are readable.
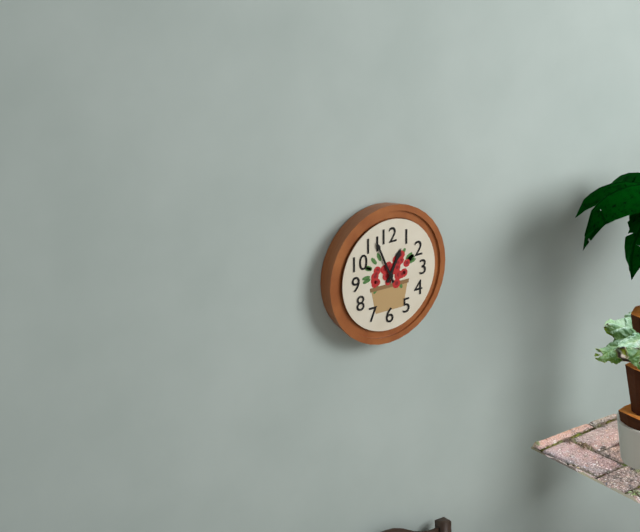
**12:56**
